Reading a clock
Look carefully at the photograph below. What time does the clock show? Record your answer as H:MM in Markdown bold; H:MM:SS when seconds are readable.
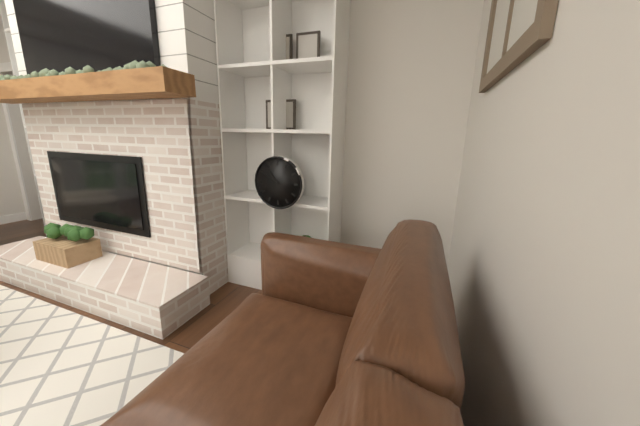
**10:50**
